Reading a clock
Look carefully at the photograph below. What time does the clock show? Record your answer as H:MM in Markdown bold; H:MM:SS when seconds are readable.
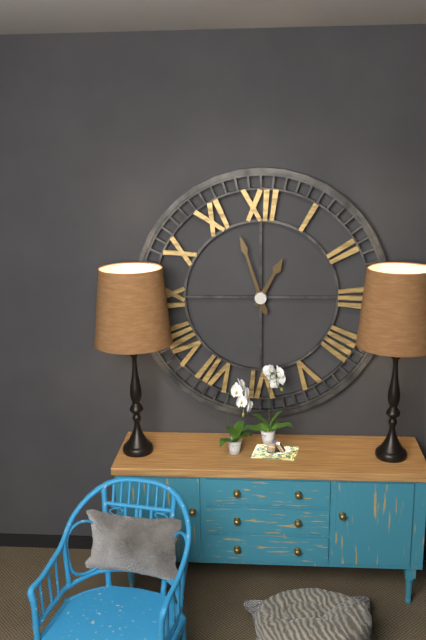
**12:57**
